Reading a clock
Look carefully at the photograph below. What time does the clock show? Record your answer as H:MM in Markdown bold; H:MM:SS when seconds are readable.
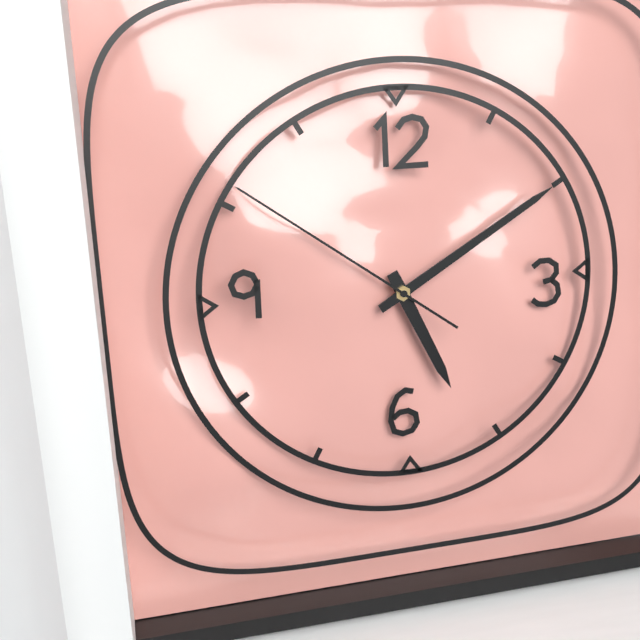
**5:10:51**
